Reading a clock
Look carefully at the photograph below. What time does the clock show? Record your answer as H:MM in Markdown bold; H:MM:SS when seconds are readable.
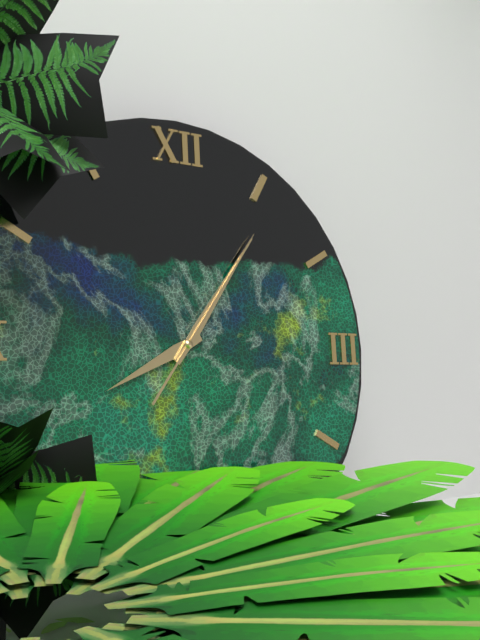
**8:06:06**
